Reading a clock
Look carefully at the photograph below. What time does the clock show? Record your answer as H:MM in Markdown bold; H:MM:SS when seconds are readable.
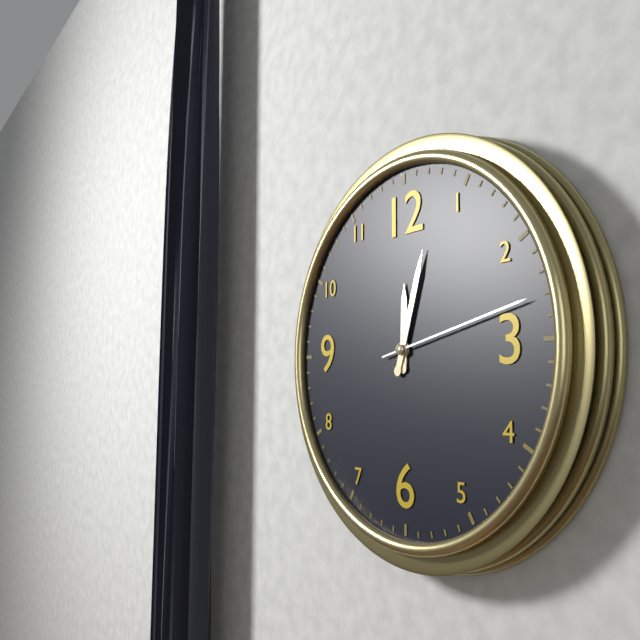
**12:03:13**
